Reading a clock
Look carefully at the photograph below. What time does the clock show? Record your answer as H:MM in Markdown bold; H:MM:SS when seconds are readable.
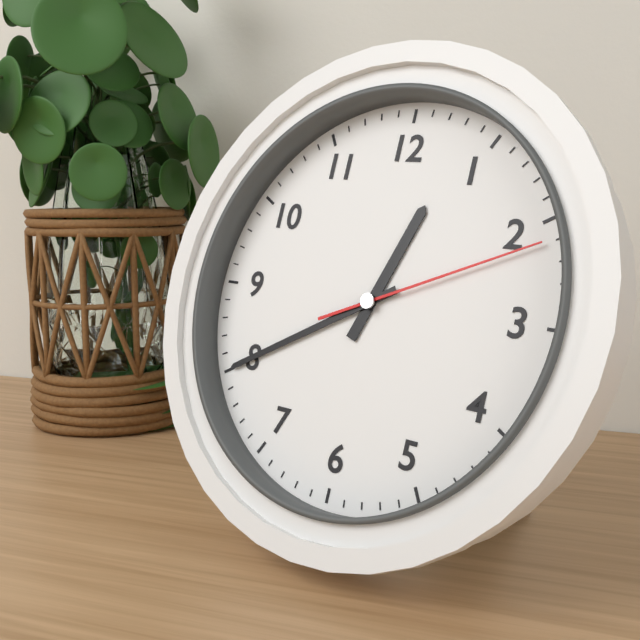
**12:40:11**
